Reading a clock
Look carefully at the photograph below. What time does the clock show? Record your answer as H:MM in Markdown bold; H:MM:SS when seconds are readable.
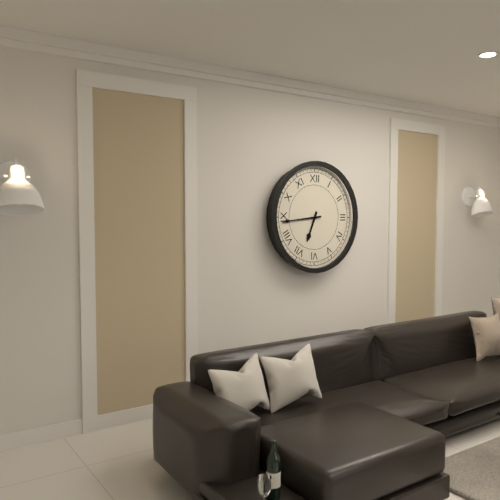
**6:44**
